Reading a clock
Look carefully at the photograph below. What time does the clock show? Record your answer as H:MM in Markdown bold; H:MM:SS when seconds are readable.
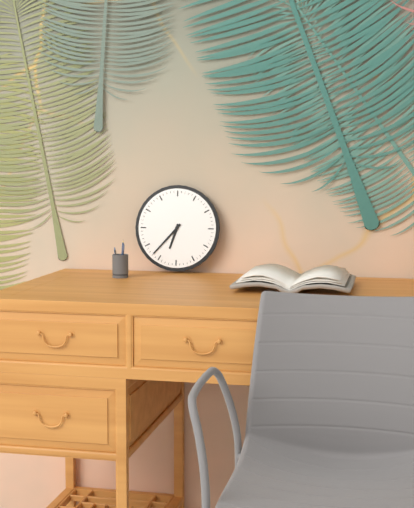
**6:37**
